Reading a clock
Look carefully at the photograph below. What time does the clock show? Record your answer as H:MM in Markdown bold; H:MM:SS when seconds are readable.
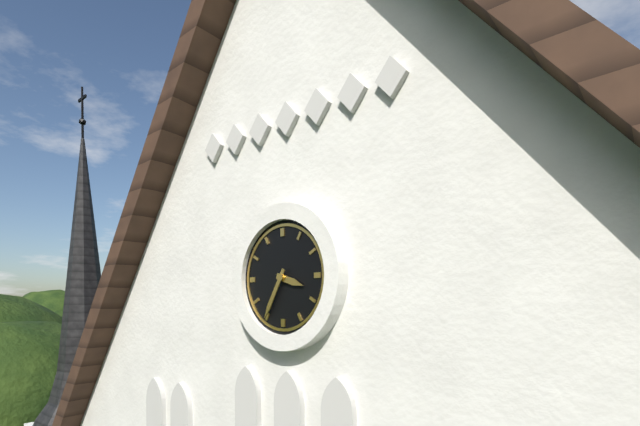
**3:35**
